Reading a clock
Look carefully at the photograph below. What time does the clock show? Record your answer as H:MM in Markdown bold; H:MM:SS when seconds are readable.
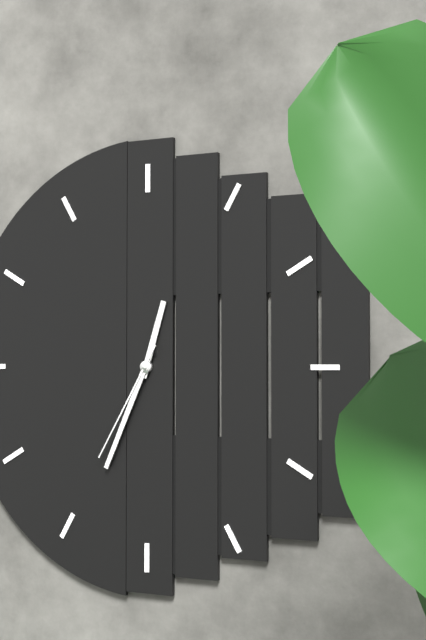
**12:34:35**
